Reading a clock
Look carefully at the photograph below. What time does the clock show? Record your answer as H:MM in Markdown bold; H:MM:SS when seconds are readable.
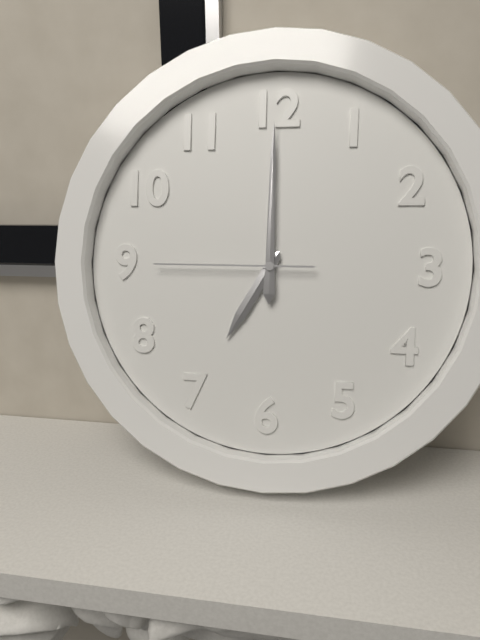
**7:00:45**
